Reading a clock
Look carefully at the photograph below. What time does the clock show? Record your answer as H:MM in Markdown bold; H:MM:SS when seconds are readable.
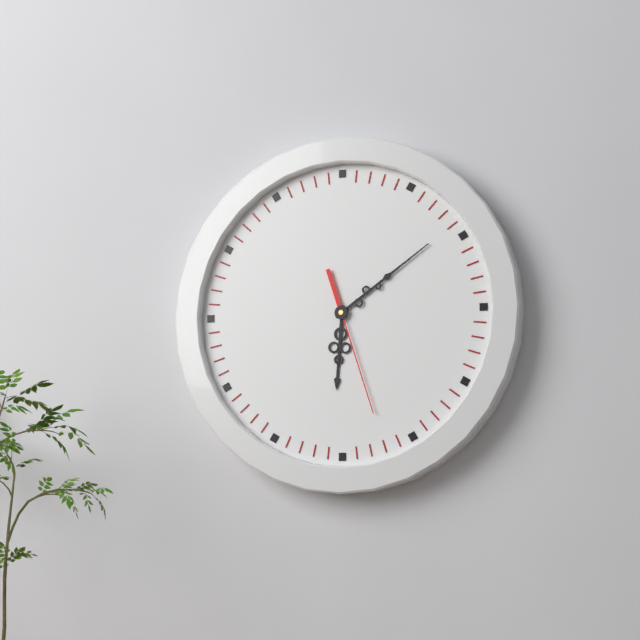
**6:09:27**
